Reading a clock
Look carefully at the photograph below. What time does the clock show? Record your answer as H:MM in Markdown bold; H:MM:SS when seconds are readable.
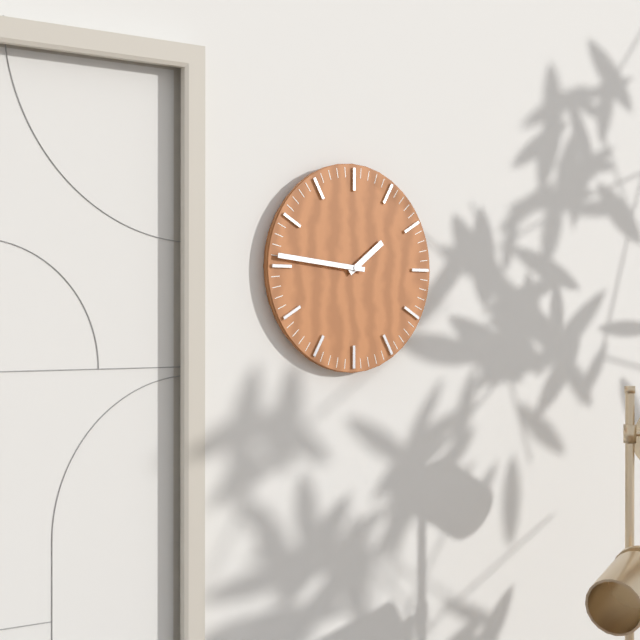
**1:46**
